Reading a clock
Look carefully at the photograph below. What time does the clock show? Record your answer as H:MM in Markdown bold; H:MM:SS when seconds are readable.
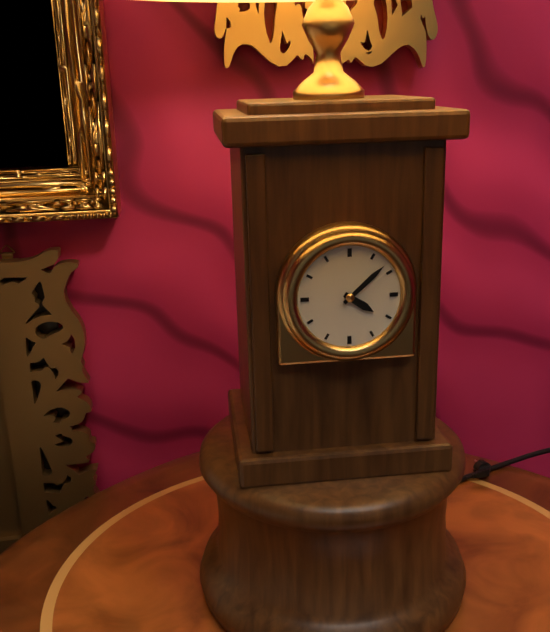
**4:08**
